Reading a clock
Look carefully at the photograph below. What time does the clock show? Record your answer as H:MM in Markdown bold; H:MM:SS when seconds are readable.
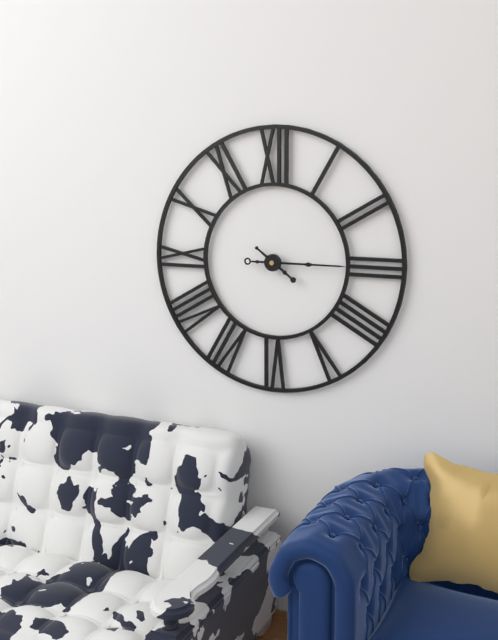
**4:15**
